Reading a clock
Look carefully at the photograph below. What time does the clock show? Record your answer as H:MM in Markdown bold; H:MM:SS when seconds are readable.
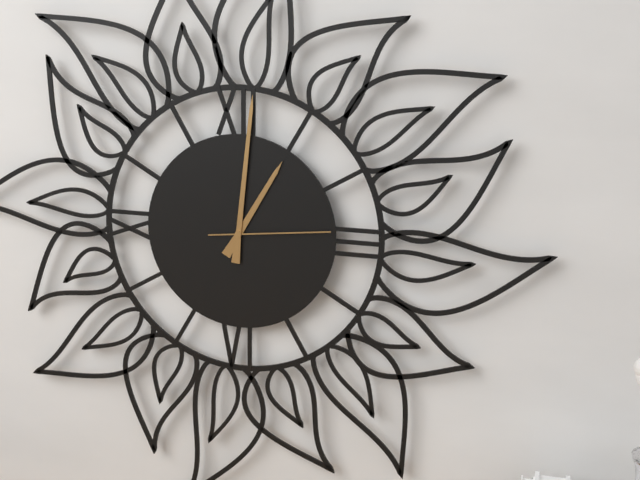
**1:01:14**
